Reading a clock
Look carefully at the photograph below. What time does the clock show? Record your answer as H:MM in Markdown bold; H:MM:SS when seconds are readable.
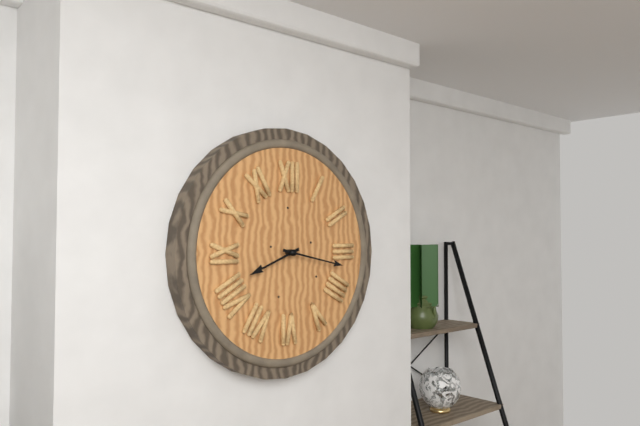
**8:17**
